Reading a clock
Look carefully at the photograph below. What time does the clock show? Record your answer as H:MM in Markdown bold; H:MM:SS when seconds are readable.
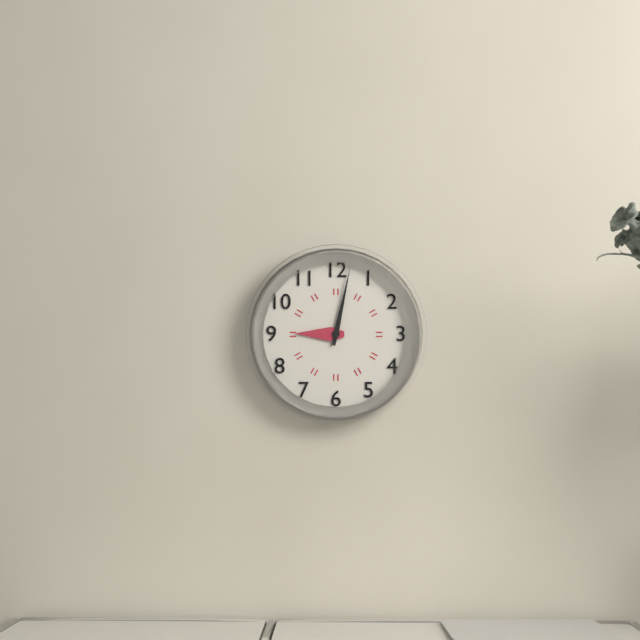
**9:02**
